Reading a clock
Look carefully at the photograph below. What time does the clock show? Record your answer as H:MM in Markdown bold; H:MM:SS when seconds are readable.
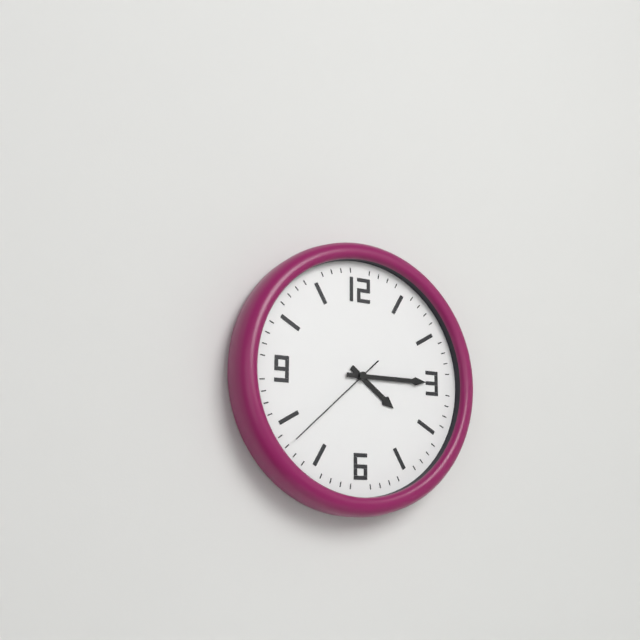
**4:15:38**
